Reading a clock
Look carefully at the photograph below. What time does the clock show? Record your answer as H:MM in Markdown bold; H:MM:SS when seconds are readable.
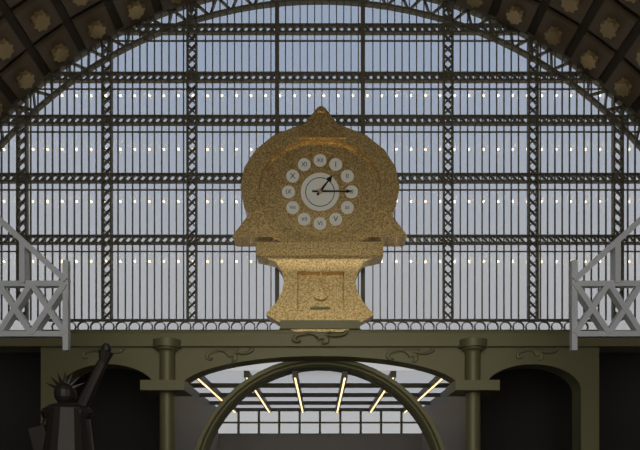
**1:15**
